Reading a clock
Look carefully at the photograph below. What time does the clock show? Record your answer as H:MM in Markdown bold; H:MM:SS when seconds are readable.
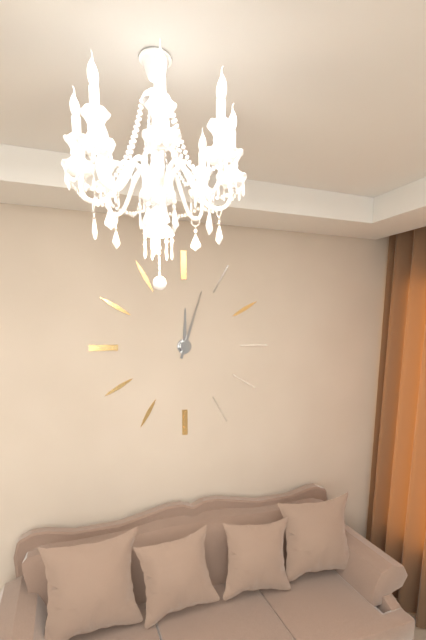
**12:03**
